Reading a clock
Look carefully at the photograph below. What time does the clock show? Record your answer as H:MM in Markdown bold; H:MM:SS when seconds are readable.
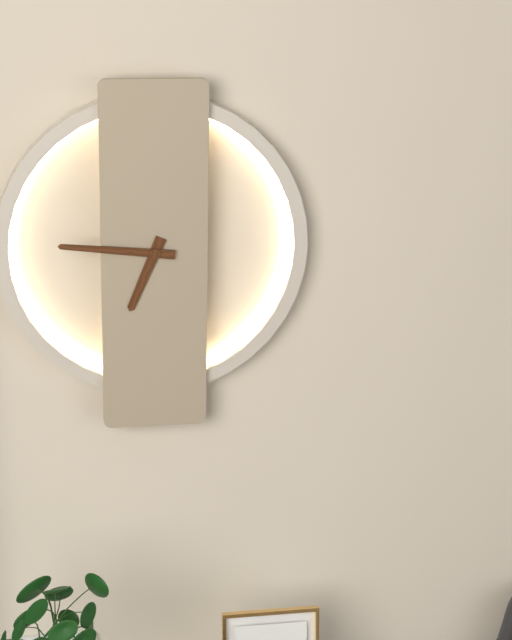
**6:46**
